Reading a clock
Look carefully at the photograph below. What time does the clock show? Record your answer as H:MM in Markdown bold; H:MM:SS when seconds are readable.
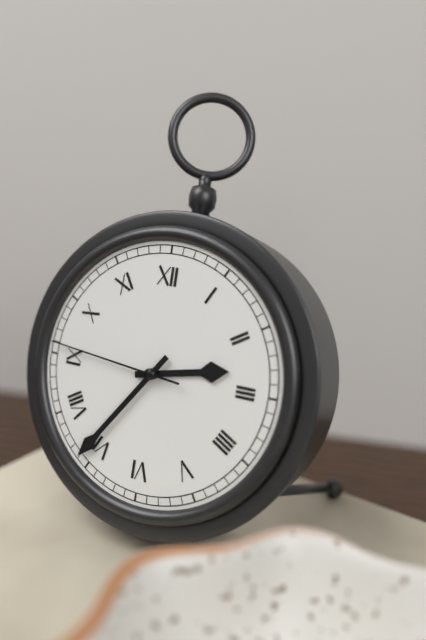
**2:36:46**
